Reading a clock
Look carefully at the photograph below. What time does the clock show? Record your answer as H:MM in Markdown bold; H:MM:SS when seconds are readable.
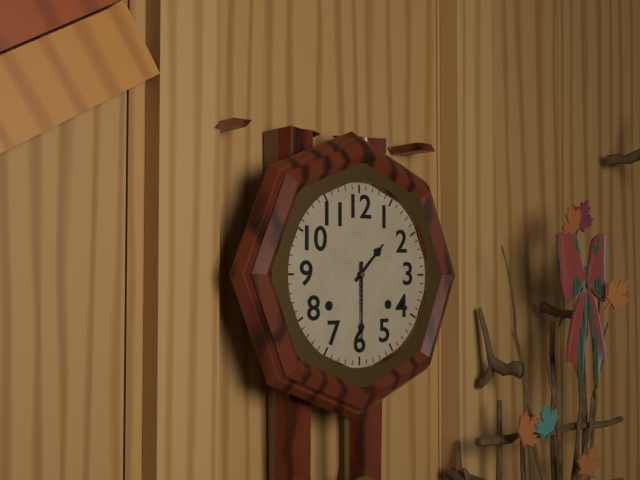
**1:30**
